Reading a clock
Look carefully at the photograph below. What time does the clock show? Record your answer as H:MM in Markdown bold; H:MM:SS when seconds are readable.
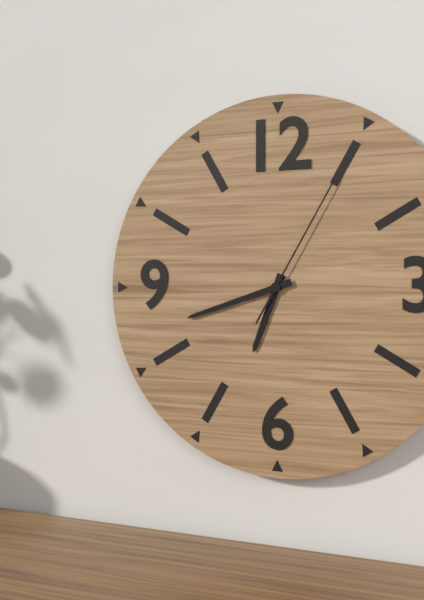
**6:42:05**
